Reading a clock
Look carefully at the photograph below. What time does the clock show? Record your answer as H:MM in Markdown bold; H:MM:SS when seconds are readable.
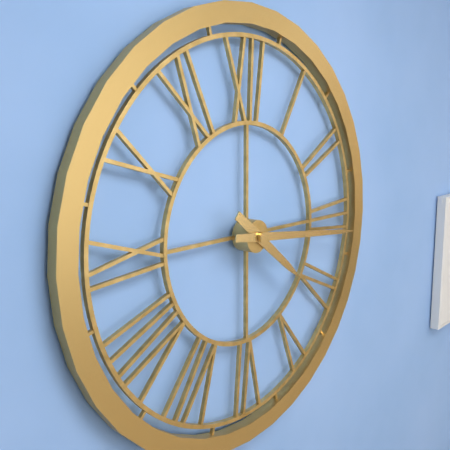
**4:16**
